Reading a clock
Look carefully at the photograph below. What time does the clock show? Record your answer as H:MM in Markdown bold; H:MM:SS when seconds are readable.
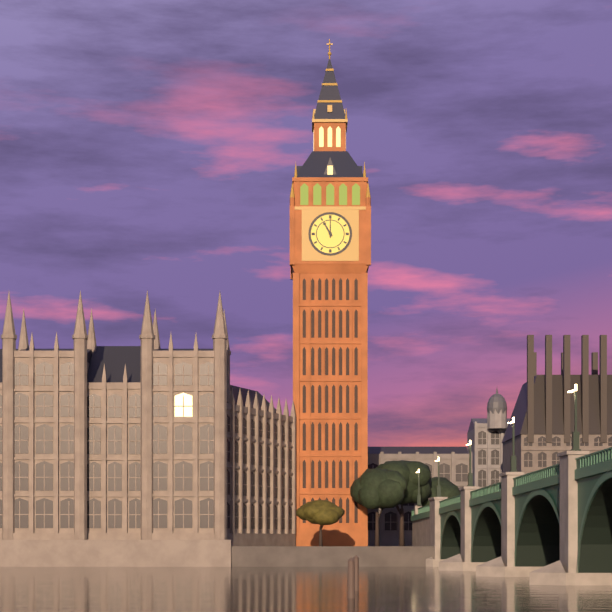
**11:00**
